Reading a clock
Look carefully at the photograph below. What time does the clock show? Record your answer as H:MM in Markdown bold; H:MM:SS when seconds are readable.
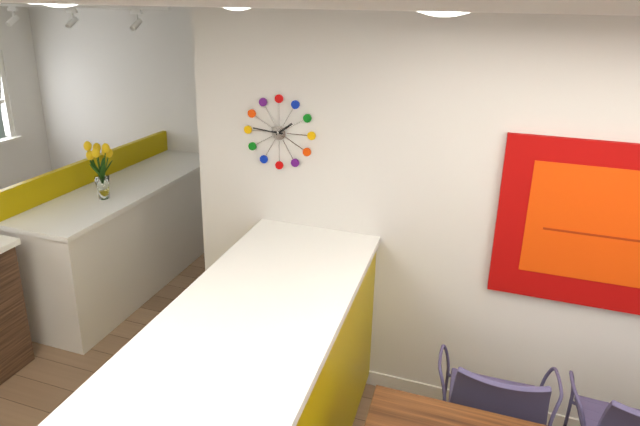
**1:46**
